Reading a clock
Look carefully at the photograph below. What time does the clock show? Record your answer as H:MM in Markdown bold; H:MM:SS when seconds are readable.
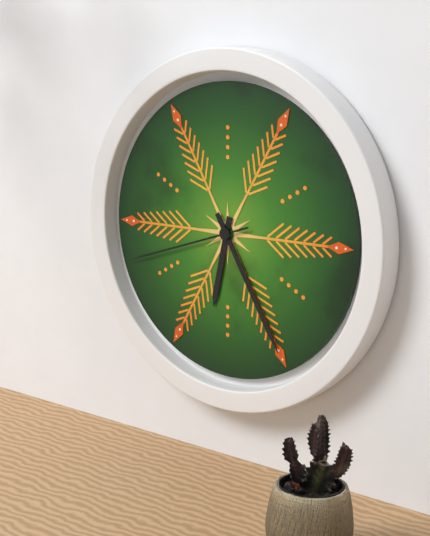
**6:25:42**
